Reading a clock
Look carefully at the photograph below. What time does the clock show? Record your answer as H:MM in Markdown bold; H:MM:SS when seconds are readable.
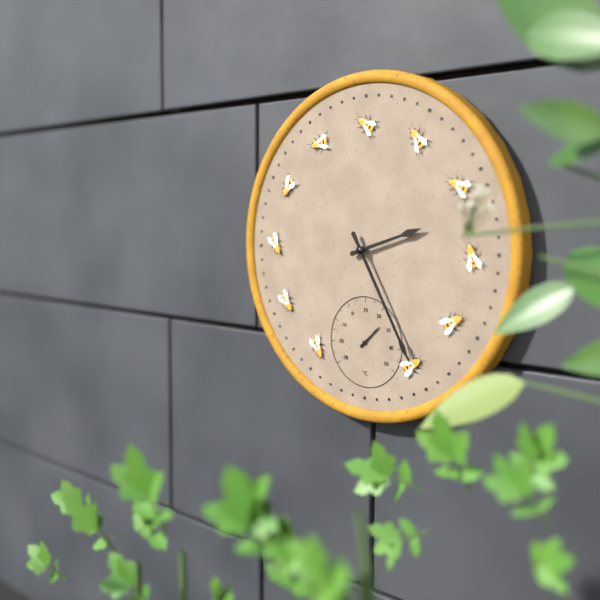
**2:25**
